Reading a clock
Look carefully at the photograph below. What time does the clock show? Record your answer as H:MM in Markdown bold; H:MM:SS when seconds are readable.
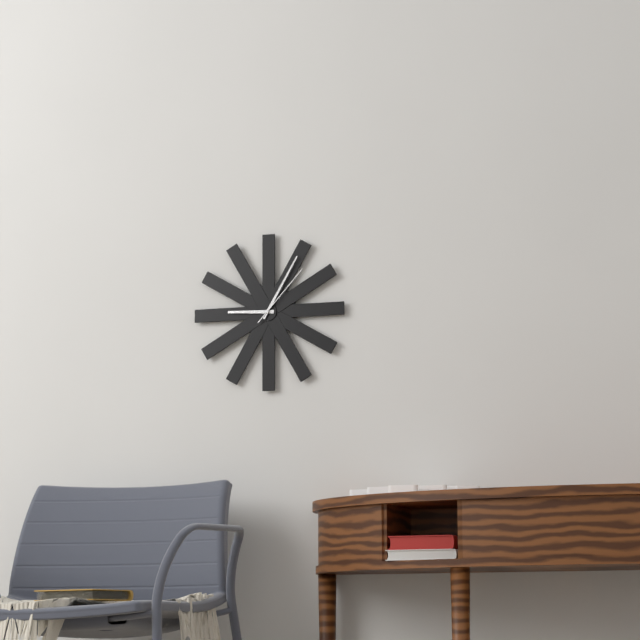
**9:05:07**
